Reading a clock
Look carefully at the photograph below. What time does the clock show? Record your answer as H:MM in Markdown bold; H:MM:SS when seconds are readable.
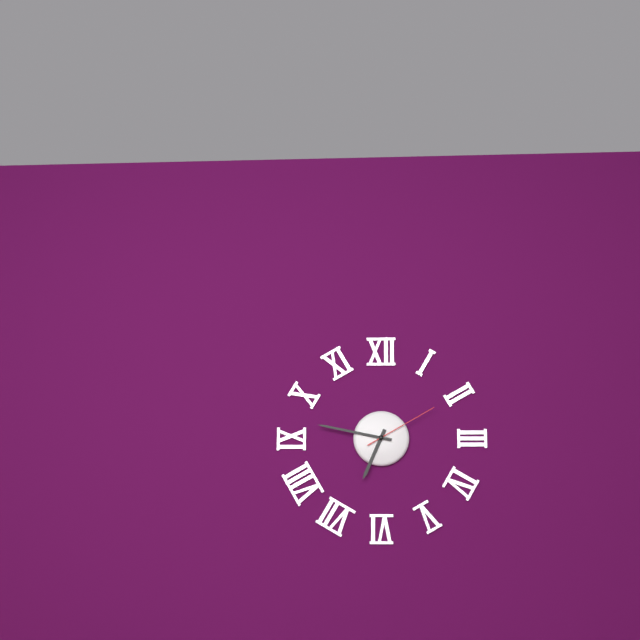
**6:47:10**
